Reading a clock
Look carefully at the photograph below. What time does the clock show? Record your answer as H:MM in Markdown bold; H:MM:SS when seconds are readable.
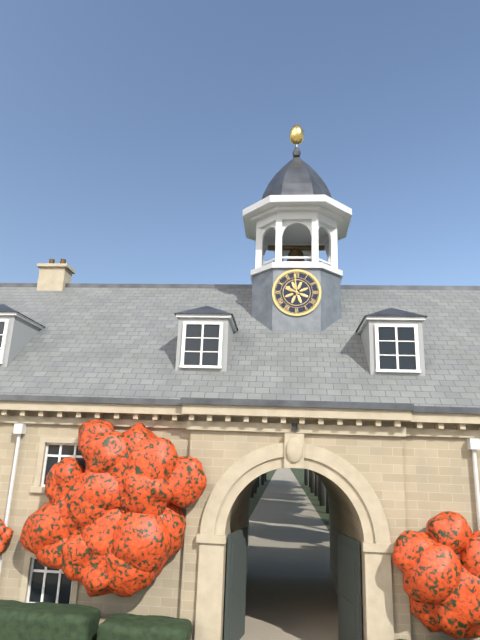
**9:59**
